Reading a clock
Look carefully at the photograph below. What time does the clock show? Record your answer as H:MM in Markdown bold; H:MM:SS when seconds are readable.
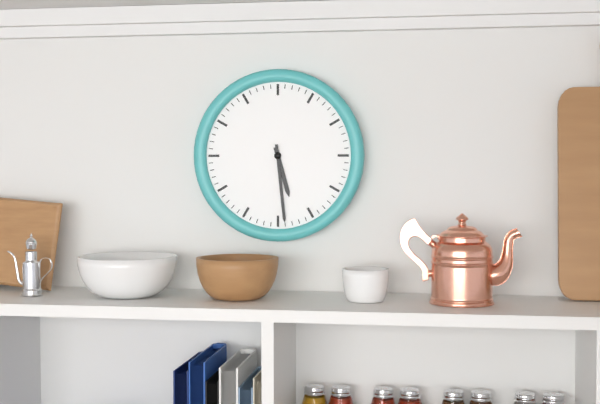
**5:29**
